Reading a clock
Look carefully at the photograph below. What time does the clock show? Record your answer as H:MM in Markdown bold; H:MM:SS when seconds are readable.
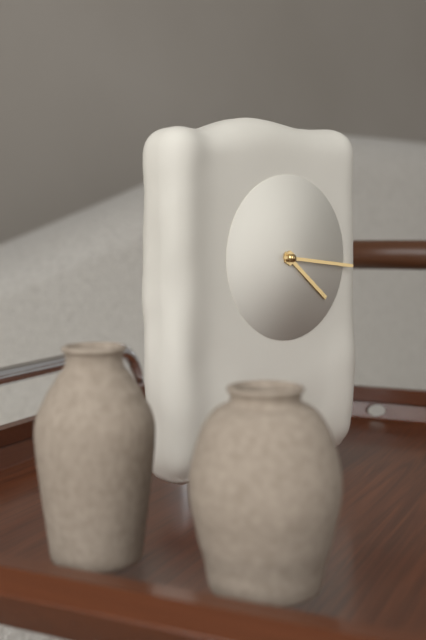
**4:16**
